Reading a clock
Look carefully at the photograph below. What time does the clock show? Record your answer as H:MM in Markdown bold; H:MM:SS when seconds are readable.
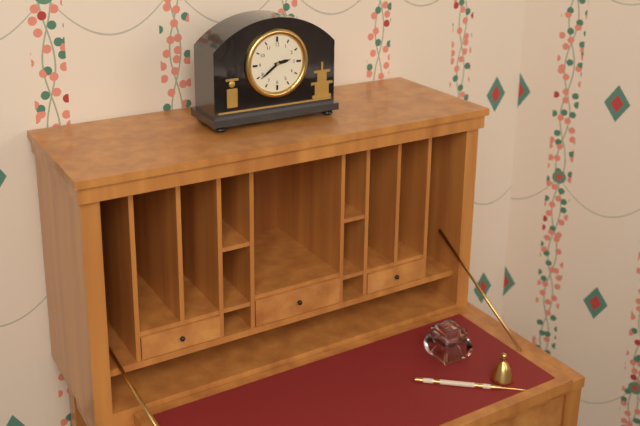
**2:39**
